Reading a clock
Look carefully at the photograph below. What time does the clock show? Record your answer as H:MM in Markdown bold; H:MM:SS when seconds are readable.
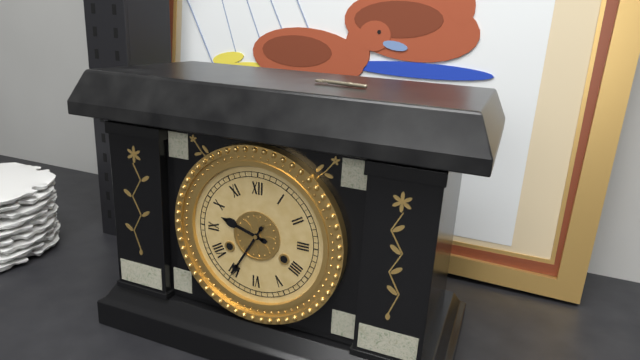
**9:35**
